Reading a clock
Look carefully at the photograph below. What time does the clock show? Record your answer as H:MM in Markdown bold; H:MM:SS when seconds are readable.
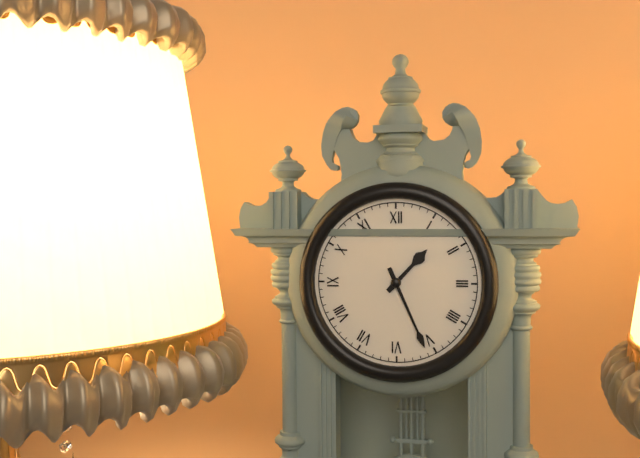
**1:26**
